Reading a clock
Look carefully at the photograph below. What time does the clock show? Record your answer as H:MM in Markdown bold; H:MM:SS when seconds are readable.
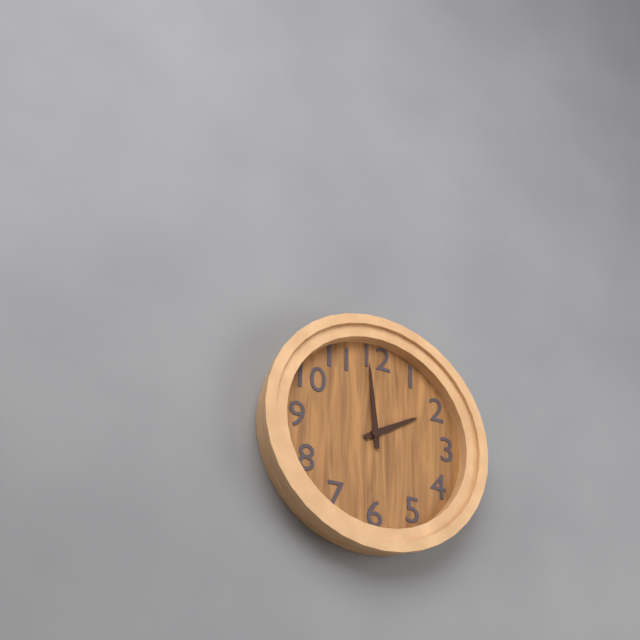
**1:59**
